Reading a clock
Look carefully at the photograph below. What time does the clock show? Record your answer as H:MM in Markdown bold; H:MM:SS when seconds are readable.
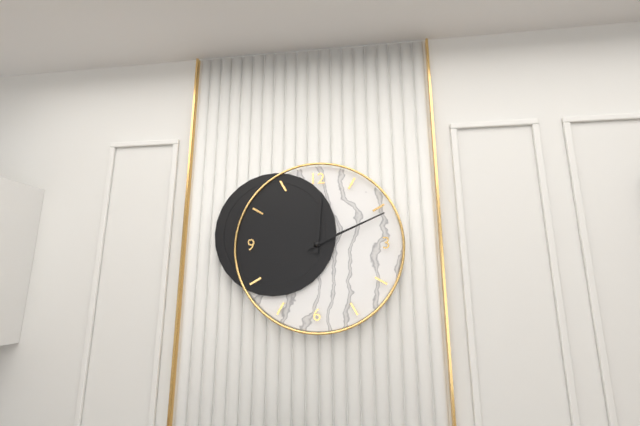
**12:11**
